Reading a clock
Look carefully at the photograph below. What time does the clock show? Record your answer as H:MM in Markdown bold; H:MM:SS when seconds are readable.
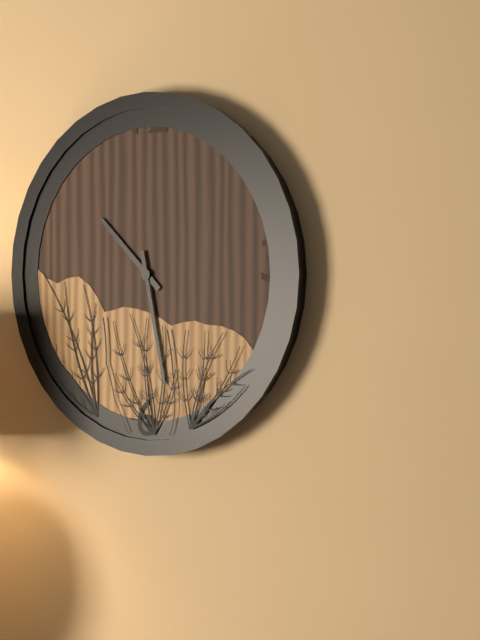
**10:28**
